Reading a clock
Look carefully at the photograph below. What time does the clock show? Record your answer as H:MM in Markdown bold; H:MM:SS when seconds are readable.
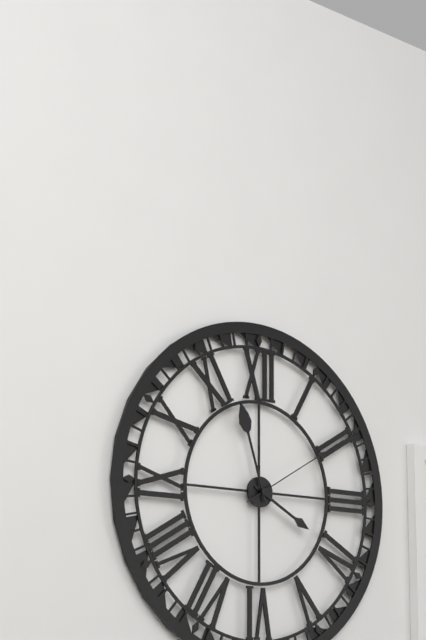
**3:57:10**
